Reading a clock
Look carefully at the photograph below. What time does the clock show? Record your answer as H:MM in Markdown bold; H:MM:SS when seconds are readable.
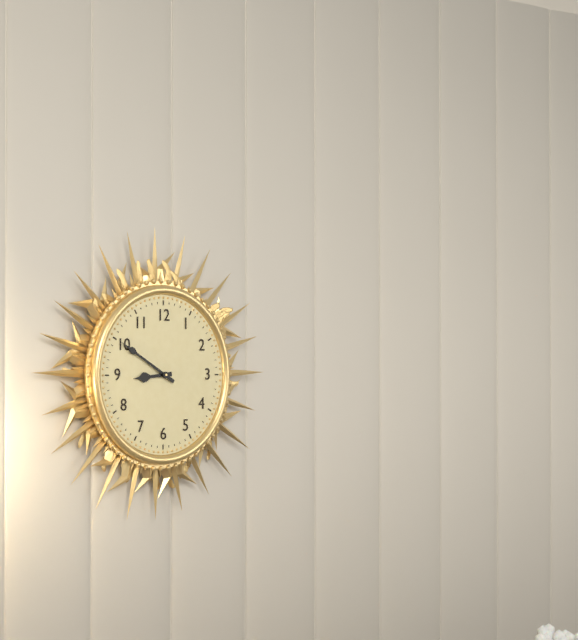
**8:50**
